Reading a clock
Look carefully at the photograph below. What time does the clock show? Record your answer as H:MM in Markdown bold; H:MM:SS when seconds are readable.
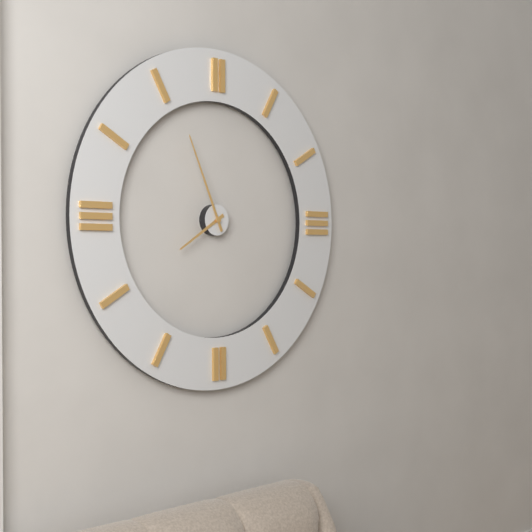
**7:56**
